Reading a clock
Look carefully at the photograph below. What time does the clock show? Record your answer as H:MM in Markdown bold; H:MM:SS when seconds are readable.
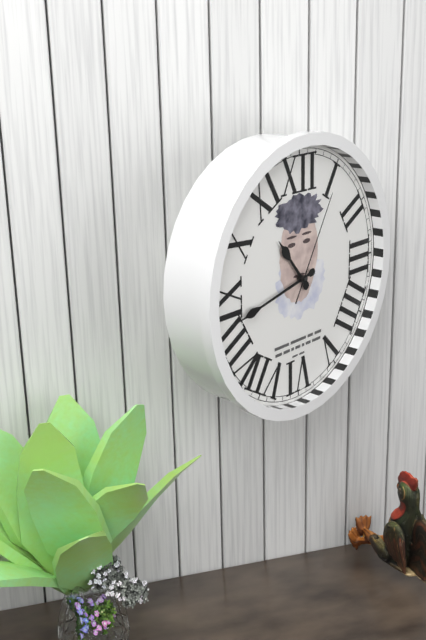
**10:43:05**
